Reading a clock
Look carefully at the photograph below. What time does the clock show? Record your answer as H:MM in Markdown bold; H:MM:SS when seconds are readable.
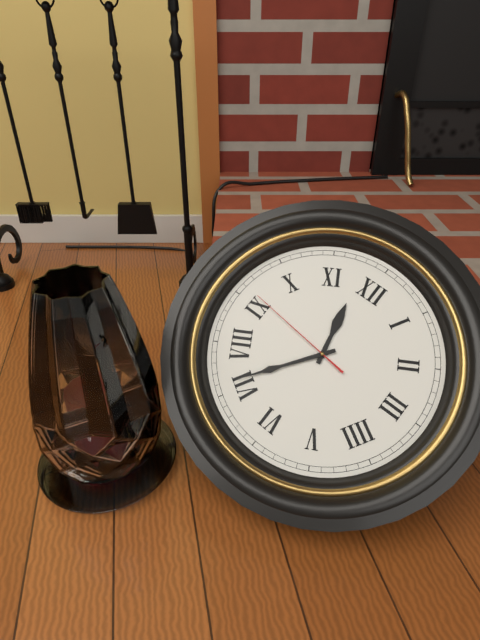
**11:36:46**
